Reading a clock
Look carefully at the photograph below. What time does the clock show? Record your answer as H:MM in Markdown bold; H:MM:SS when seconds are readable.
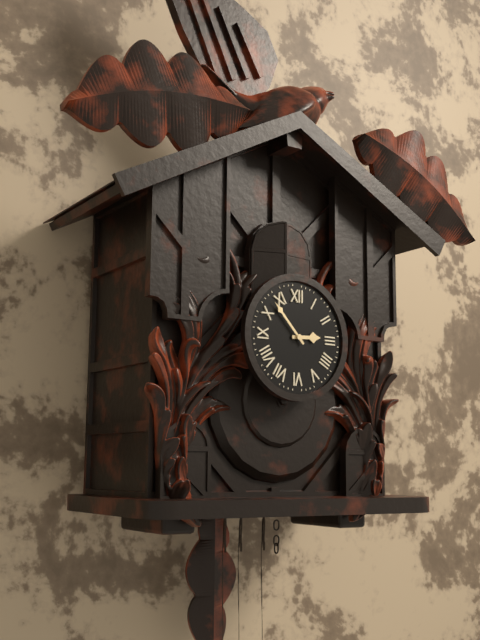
**2:53**
